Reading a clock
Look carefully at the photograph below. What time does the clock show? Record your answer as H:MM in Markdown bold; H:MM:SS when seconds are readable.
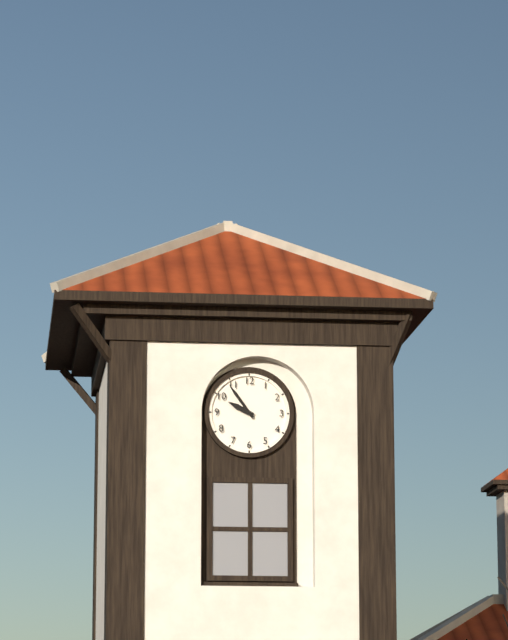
**9:54**
